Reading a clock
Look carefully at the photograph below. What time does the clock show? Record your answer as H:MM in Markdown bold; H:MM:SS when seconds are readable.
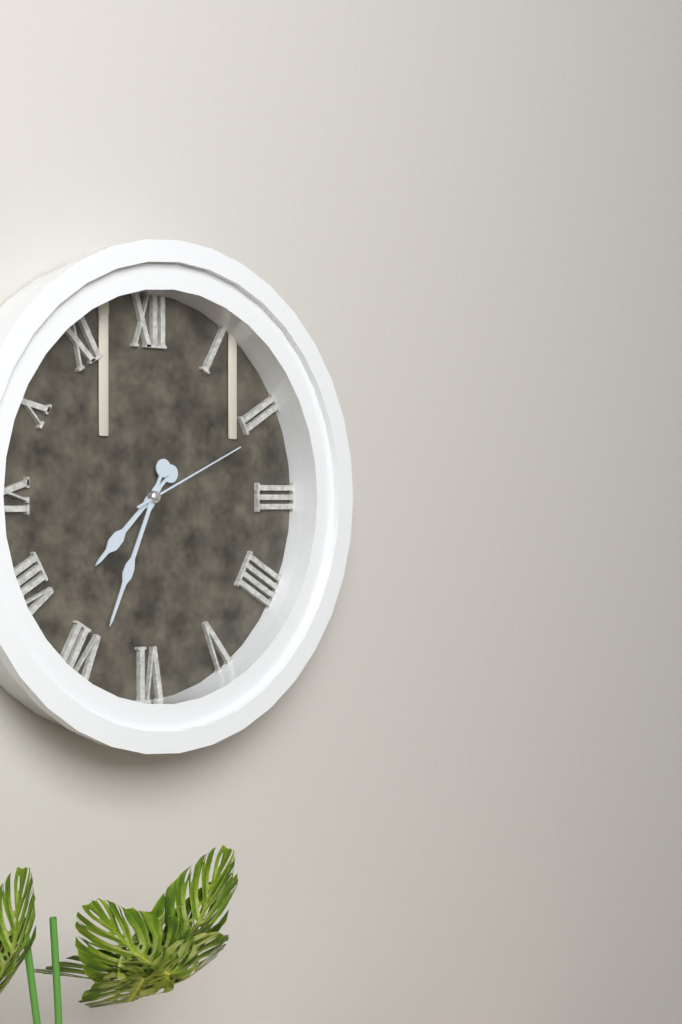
**7:34:11**
